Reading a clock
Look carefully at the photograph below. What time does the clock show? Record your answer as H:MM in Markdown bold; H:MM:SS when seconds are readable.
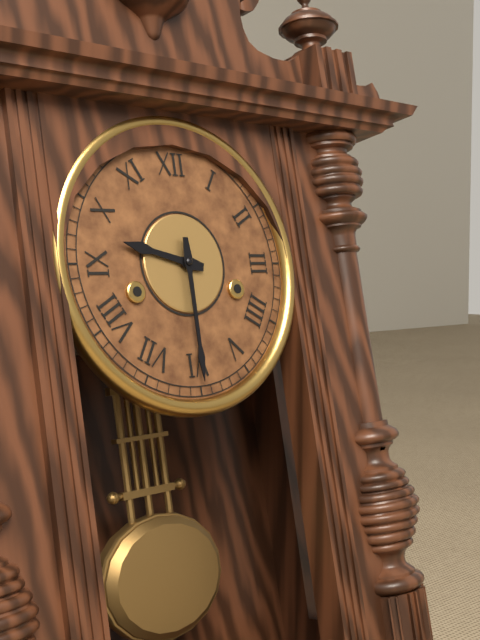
**9:30**
